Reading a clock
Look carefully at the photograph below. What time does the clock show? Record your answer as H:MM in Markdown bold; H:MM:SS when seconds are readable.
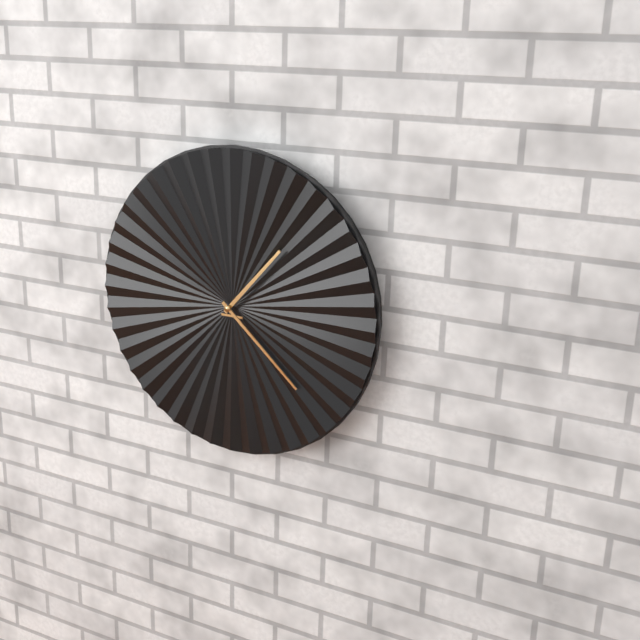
**1:22**
